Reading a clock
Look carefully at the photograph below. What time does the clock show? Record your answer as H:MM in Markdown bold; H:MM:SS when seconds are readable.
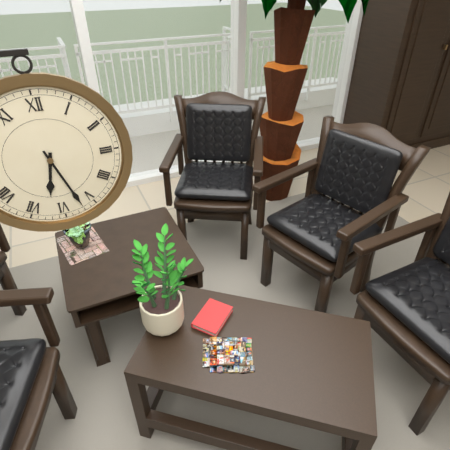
**6:27**
